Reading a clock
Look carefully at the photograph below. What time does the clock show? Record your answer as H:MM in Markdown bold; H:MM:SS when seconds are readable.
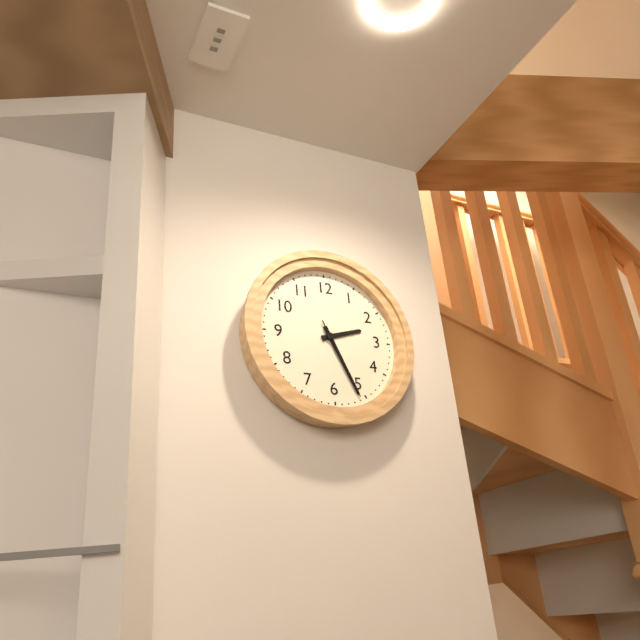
**2:26:26**
